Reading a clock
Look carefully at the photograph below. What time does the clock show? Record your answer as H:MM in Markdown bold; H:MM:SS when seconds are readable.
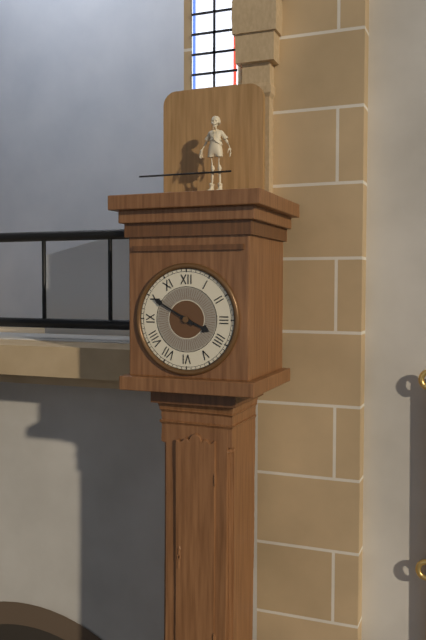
**3:50**
